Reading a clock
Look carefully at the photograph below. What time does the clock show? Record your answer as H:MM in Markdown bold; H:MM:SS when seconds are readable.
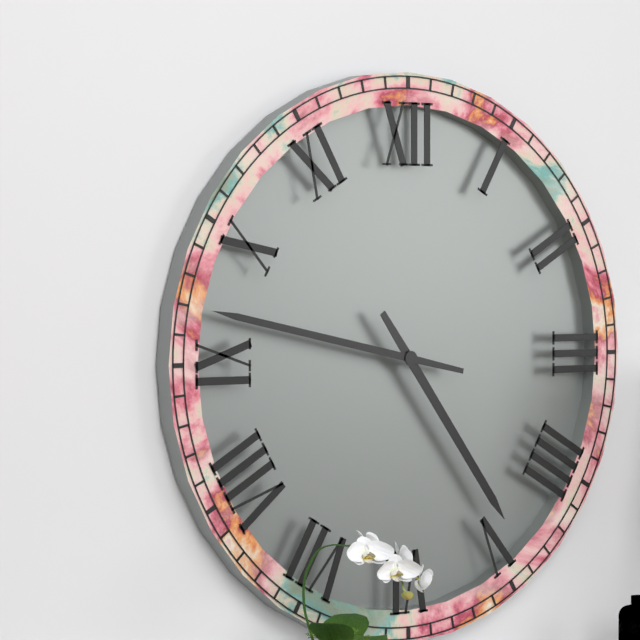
**4:47**
